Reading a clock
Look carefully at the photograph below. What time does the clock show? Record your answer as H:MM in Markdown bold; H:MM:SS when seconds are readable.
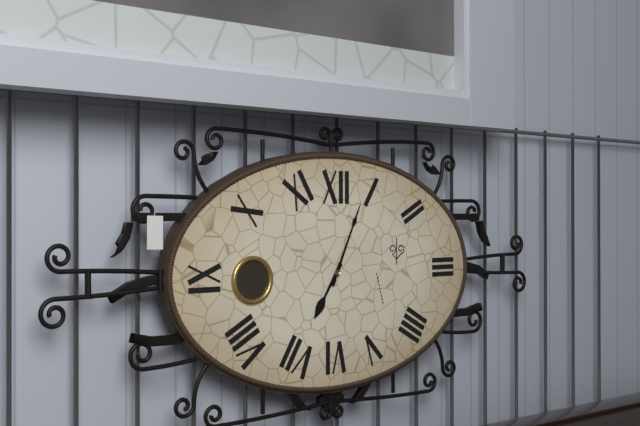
**7:04**
